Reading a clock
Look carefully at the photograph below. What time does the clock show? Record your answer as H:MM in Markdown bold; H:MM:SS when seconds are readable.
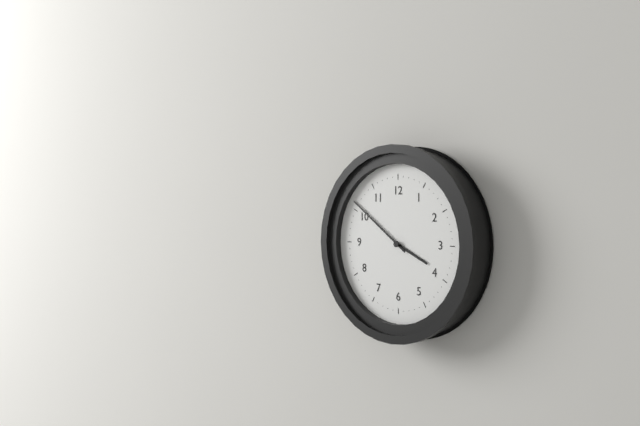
**3:51**
